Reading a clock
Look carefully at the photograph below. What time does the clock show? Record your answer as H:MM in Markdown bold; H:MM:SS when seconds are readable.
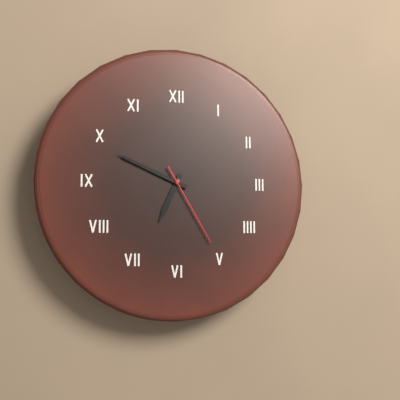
**6:49:25**
